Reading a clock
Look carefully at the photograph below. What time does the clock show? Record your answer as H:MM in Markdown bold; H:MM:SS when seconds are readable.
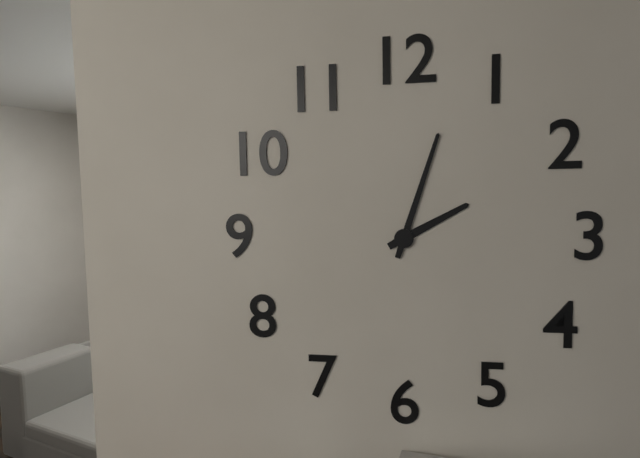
**2:03**
